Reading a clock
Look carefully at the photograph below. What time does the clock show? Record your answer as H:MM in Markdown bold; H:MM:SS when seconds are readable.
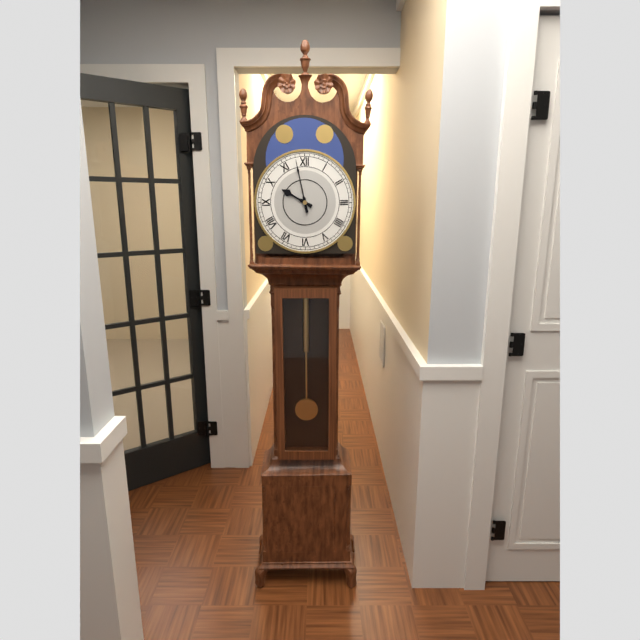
**9:58**
